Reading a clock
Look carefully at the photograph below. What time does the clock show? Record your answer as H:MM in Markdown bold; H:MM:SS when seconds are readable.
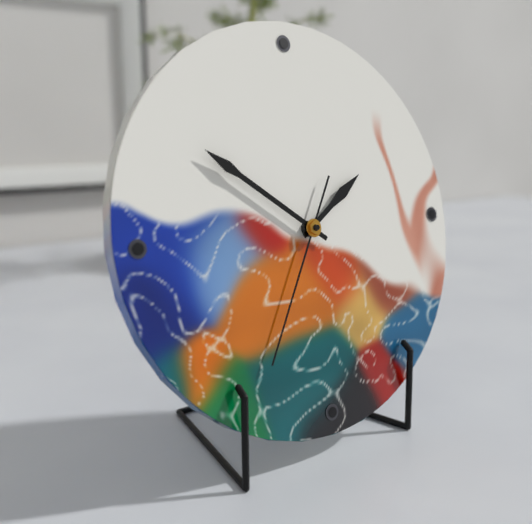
**1:51:35**
